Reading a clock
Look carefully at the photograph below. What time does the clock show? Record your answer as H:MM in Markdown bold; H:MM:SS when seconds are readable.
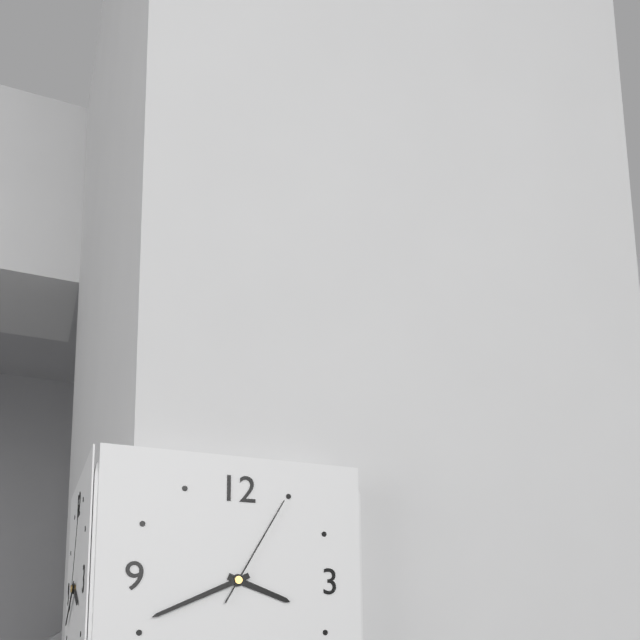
**3:41:05**
